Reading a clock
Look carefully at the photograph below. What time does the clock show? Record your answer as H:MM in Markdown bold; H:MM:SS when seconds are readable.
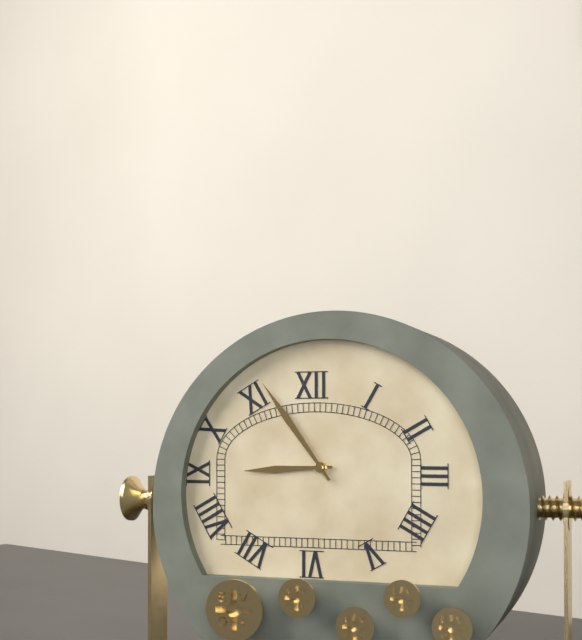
**8:54**
